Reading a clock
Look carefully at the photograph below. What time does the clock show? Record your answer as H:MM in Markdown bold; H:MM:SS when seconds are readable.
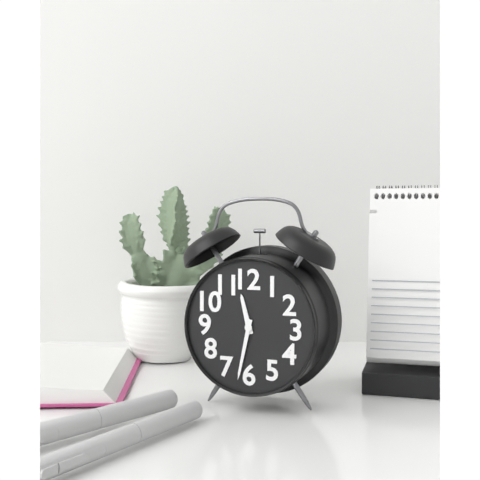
**11:32**
